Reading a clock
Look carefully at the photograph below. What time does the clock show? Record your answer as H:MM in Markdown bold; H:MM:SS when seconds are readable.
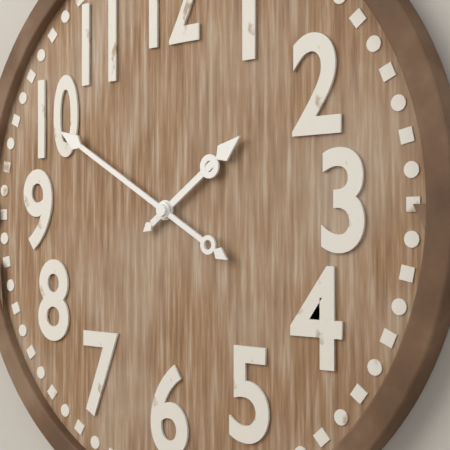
**1:50**
